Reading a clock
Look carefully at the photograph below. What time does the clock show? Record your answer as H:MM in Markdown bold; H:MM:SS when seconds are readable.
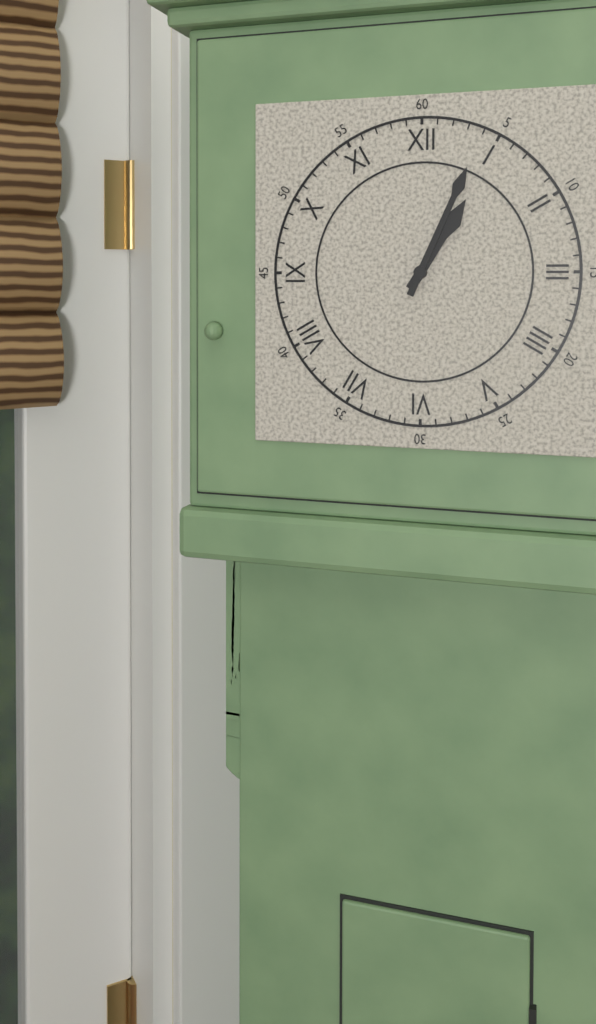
**1:04**
